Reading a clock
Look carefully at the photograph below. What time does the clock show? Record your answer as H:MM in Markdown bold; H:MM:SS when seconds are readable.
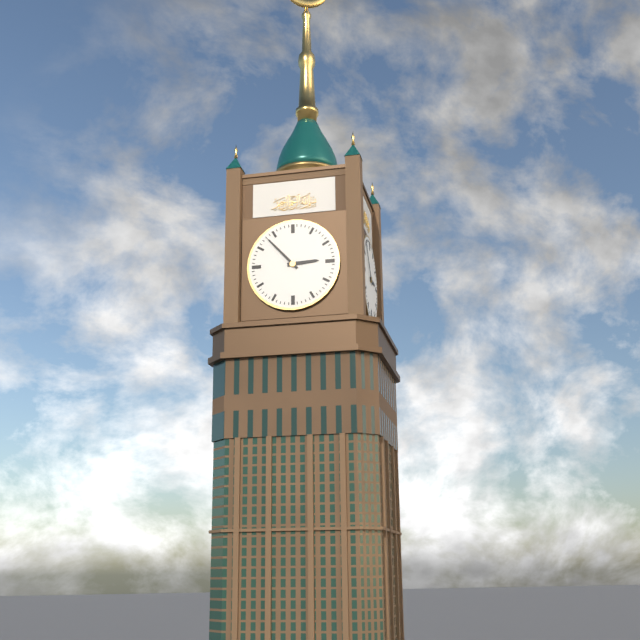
**2:53**
